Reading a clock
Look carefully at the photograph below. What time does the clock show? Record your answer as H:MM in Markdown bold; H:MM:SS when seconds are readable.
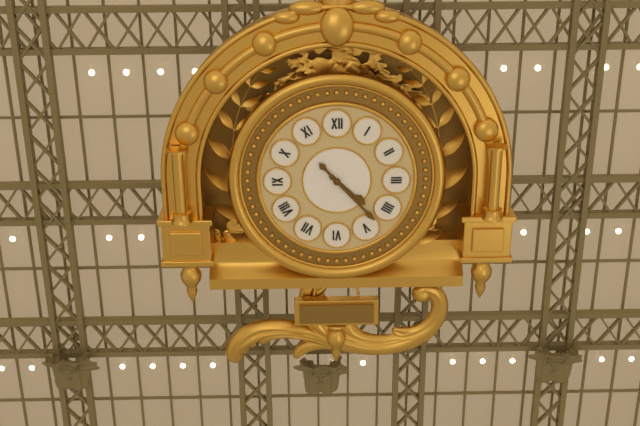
**4:23**
